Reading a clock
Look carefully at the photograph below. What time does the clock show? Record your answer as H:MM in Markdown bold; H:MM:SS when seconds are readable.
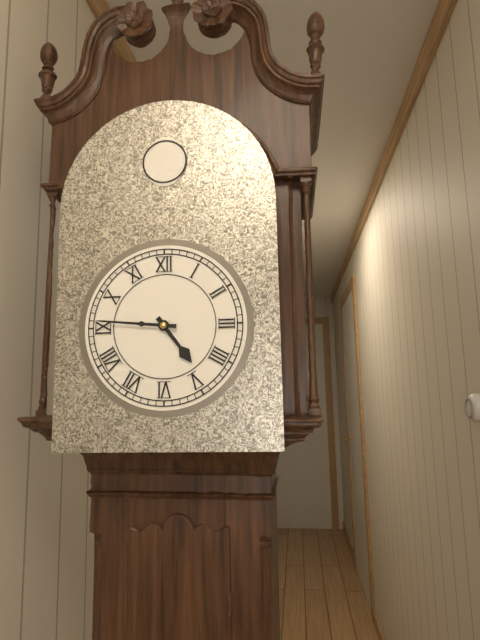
**4:46**
